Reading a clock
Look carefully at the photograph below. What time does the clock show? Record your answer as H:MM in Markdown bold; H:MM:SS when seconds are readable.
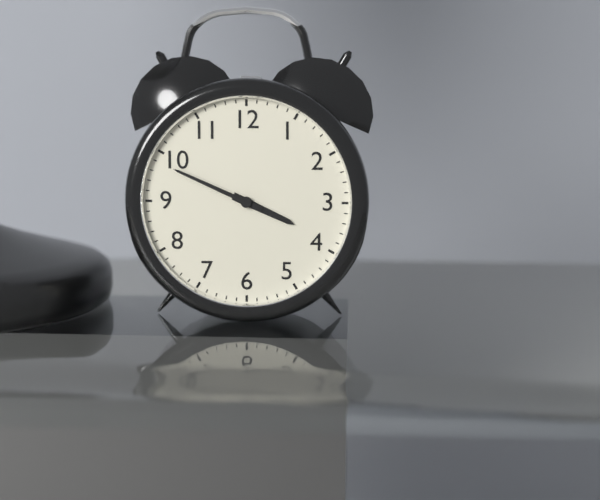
**3:49**
